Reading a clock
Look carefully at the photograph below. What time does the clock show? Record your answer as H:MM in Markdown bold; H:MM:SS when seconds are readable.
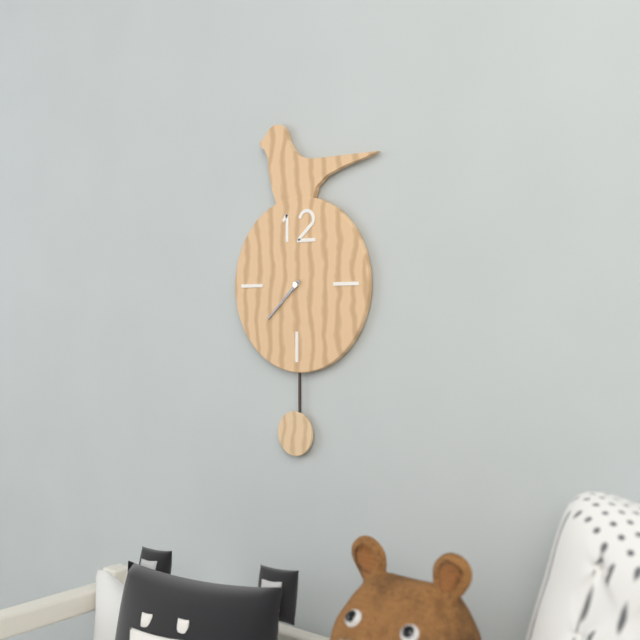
**7:38**
